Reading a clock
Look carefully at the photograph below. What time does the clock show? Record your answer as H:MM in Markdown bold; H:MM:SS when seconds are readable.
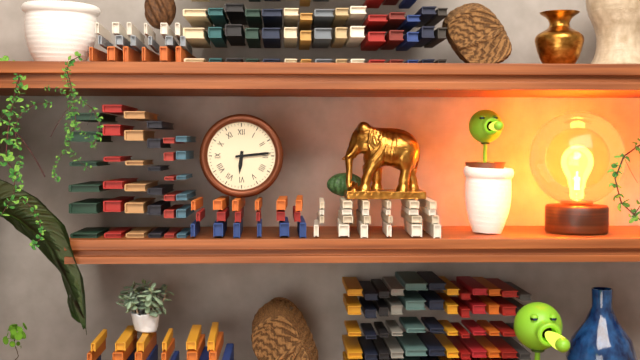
**6:14**
